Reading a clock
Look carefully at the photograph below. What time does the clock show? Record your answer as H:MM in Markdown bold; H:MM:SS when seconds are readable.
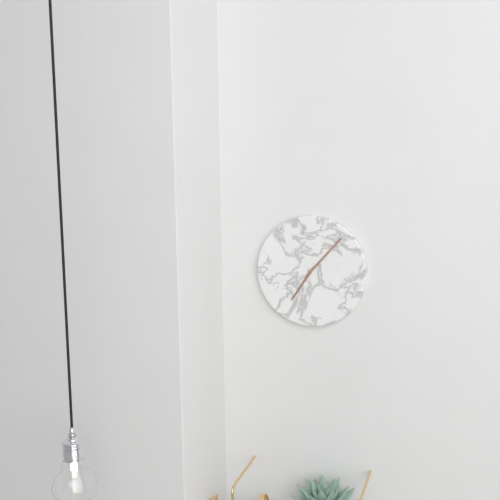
**7:07**
